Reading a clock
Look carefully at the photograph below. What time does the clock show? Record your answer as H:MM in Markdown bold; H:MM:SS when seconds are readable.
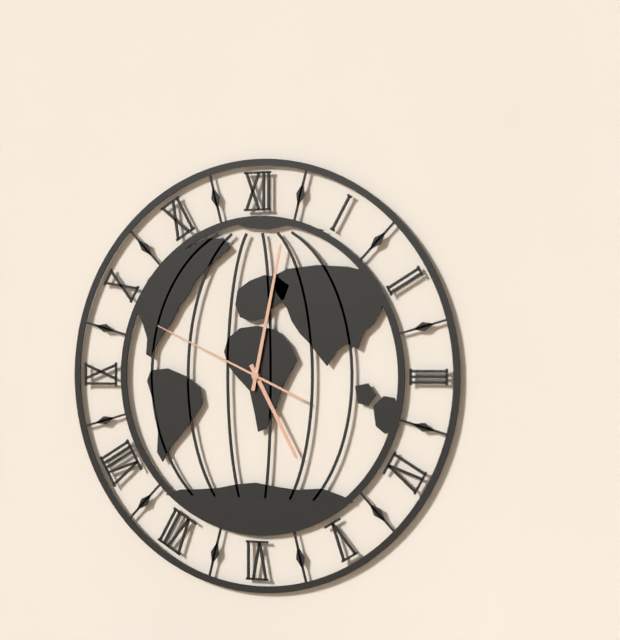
**5:02:49**
